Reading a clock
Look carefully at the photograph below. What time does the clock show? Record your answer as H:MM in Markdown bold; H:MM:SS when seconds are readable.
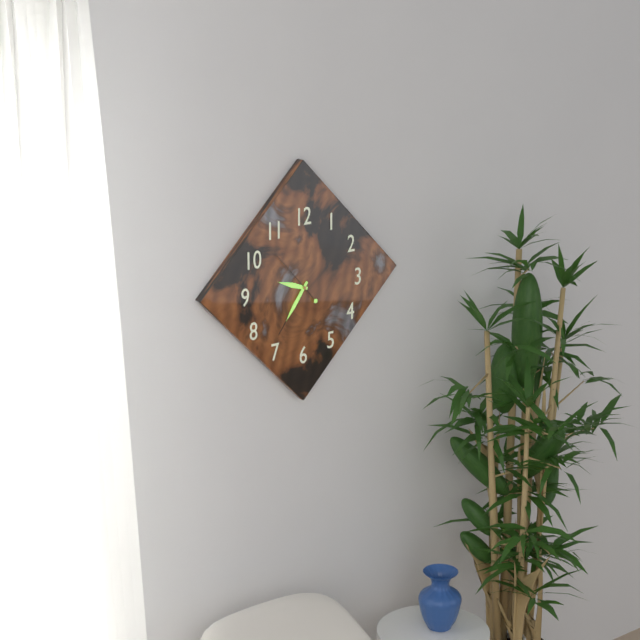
**9:36:53**
